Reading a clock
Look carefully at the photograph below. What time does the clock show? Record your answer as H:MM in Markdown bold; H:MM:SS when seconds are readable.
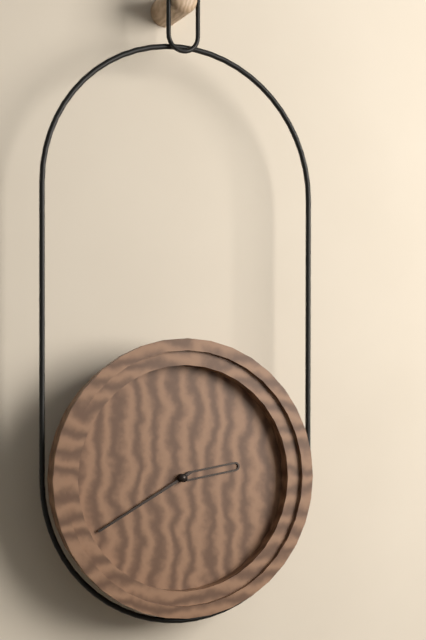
**2:40**
